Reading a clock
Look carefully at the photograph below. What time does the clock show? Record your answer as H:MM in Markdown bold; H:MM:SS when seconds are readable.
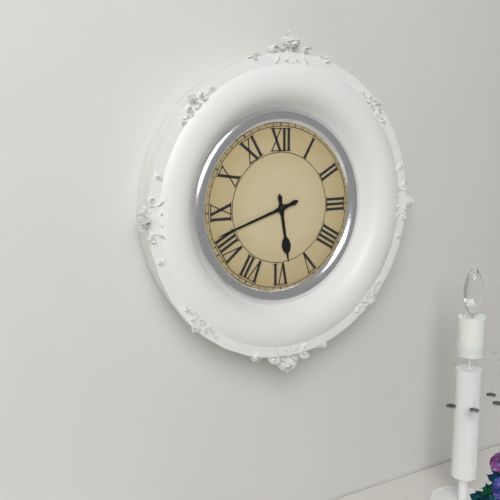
**5:42**
